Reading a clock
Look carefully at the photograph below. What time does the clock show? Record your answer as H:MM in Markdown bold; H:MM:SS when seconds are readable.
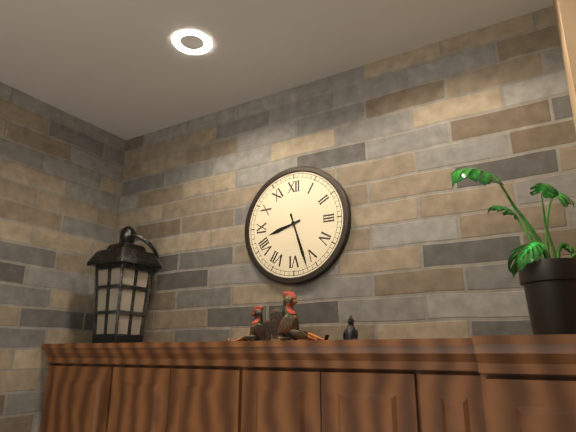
**8:27**
